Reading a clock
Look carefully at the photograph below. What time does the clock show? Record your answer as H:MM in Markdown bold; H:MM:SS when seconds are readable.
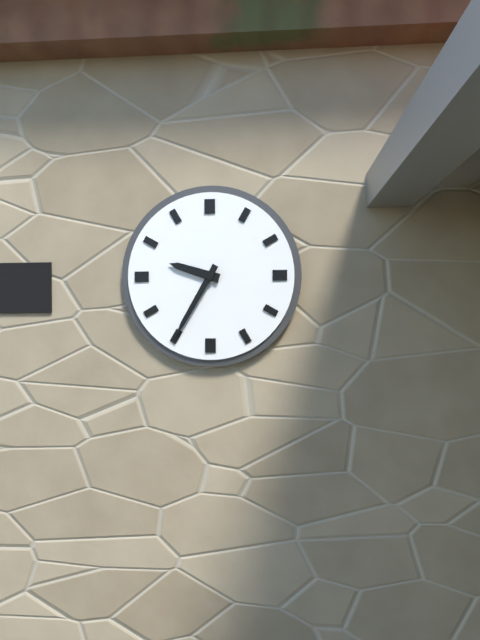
**9:35**
